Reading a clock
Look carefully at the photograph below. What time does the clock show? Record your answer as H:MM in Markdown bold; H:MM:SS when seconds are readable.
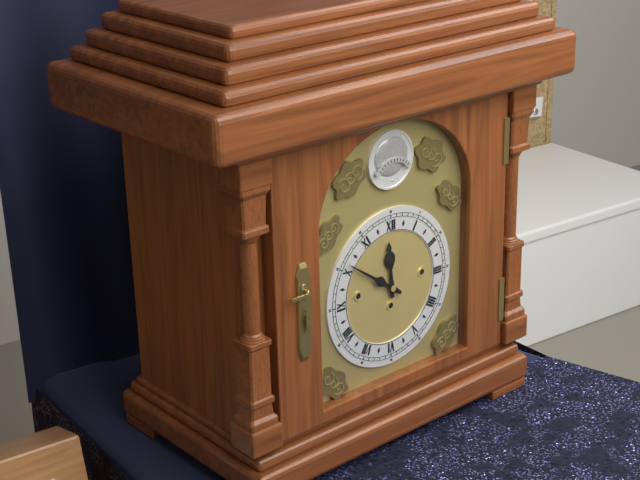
**11:51**
